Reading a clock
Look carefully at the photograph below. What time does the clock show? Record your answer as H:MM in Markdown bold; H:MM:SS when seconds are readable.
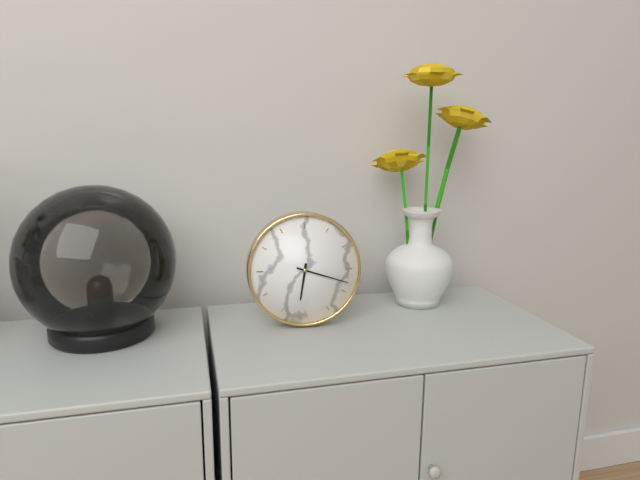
**6:18**
